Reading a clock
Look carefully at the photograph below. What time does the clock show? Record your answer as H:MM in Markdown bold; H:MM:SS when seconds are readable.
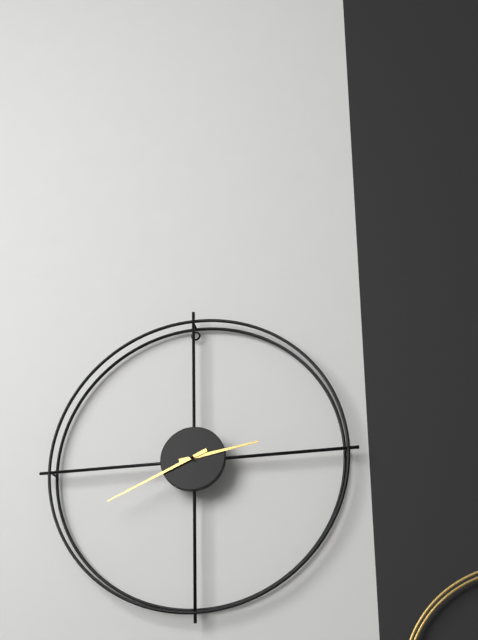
**2:41**
